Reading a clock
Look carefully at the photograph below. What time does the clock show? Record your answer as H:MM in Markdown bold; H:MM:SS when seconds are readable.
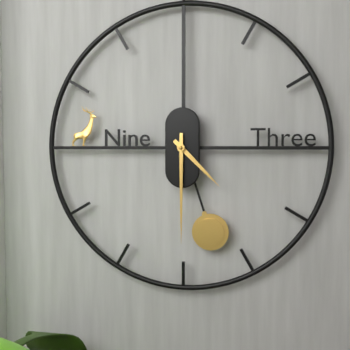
**4:30**
